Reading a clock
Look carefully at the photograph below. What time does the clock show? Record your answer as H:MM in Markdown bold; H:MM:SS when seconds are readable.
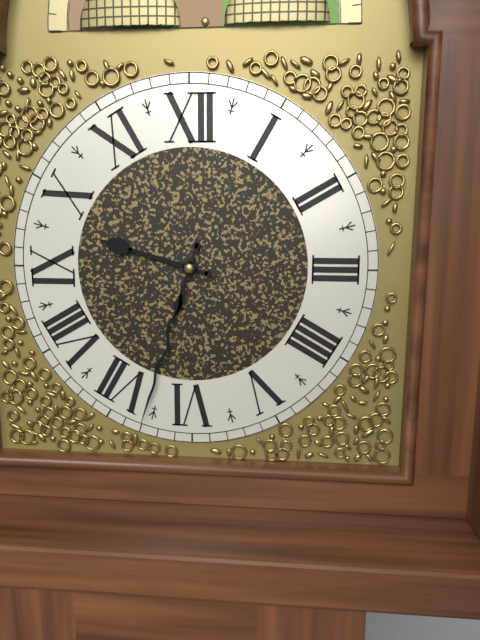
**9:33**
